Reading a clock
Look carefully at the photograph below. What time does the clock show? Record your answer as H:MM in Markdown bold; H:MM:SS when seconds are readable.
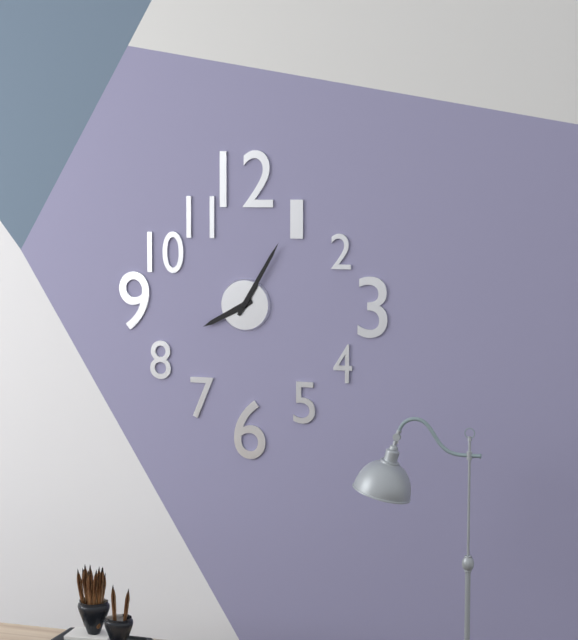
**8:05**
